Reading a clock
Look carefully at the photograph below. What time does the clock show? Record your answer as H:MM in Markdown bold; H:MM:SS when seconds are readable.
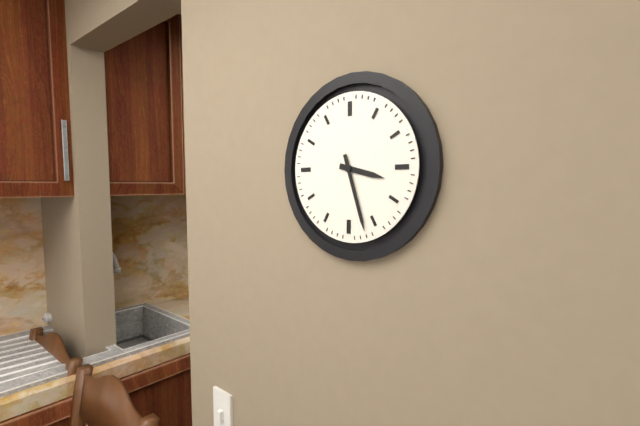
**3:27**
